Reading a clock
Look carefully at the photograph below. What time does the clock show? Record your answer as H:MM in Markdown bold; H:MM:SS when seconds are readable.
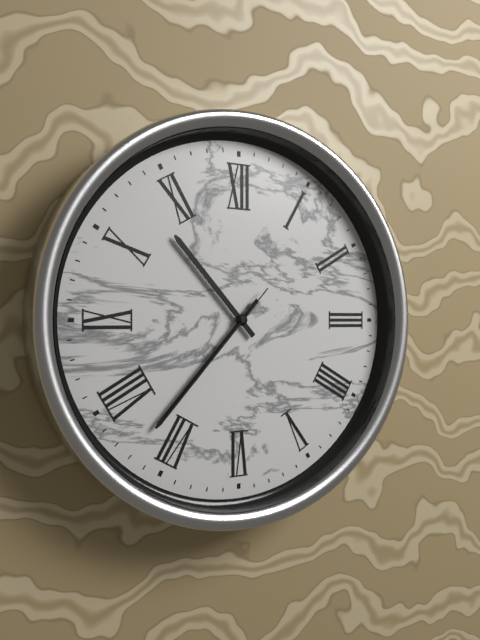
**10:37:37**
